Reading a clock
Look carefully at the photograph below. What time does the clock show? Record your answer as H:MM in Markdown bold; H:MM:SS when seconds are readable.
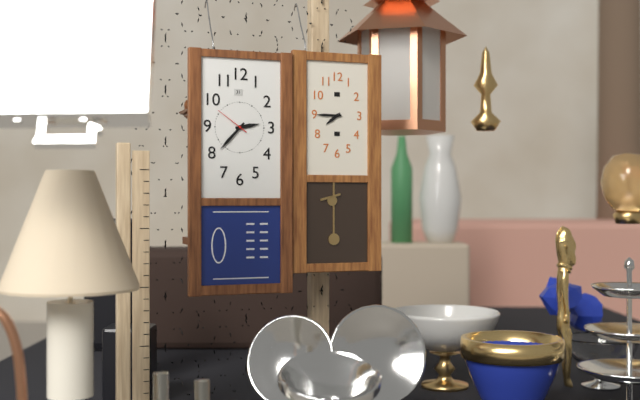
**2:37**
